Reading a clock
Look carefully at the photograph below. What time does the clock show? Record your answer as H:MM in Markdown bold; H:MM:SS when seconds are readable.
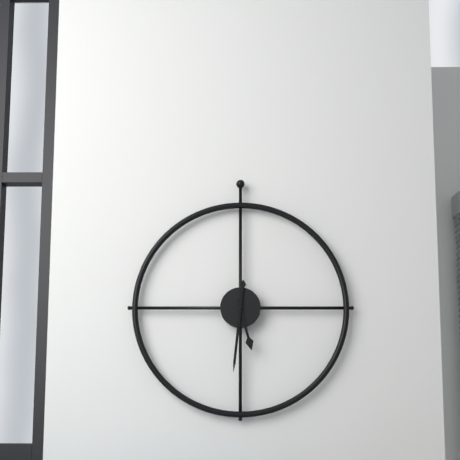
**5:31**
